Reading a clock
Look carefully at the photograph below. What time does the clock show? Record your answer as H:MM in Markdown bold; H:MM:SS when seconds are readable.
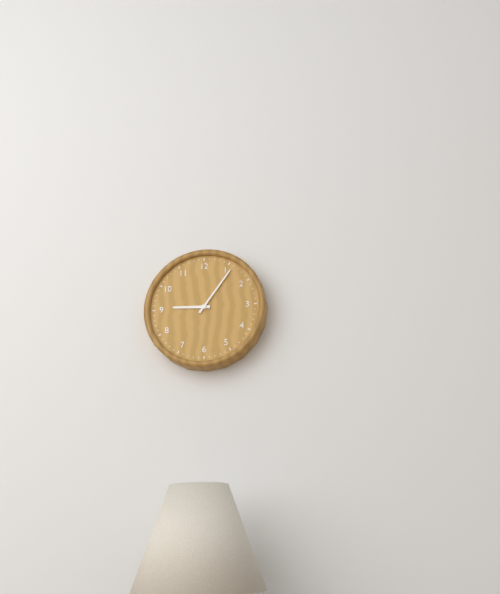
**9:06**
